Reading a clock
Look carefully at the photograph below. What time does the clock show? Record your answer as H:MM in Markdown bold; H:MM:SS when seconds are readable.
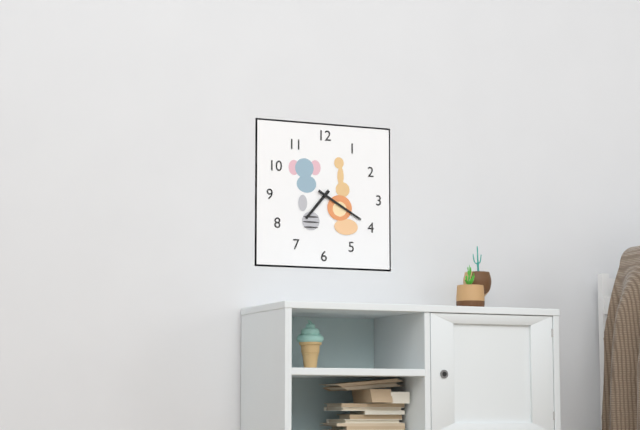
**7:20**
